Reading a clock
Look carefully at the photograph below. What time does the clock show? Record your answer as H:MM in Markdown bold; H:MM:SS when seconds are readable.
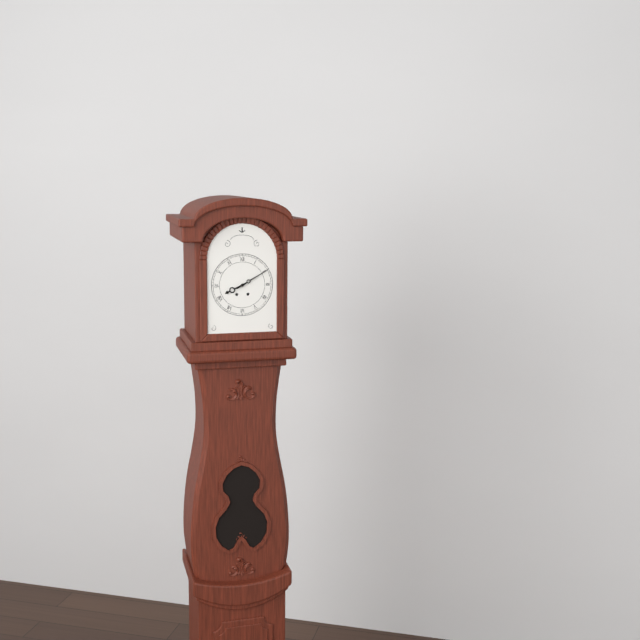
**8:10**
